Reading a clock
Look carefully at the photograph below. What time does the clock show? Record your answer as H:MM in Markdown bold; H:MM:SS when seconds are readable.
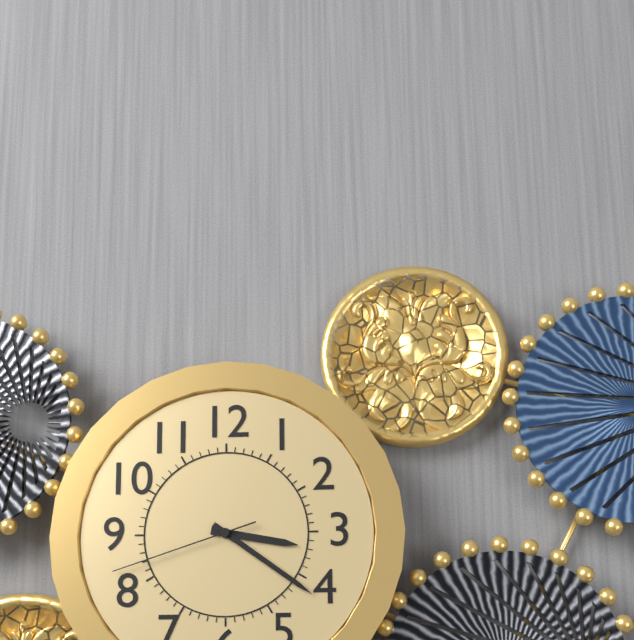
**3:21:42**
